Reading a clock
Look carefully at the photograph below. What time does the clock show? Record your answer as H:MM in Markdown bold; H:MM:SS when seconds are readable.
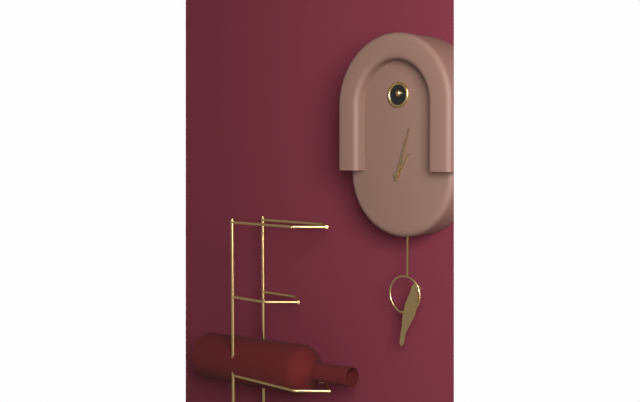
**1:03**
